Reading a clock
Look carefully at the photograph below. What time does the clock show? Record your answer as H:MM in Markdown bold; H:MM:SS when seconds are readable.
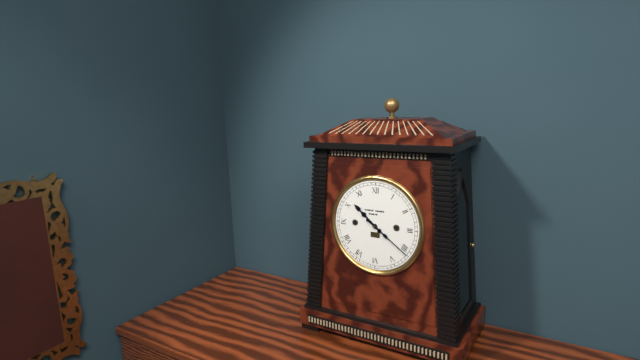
**10:21**
